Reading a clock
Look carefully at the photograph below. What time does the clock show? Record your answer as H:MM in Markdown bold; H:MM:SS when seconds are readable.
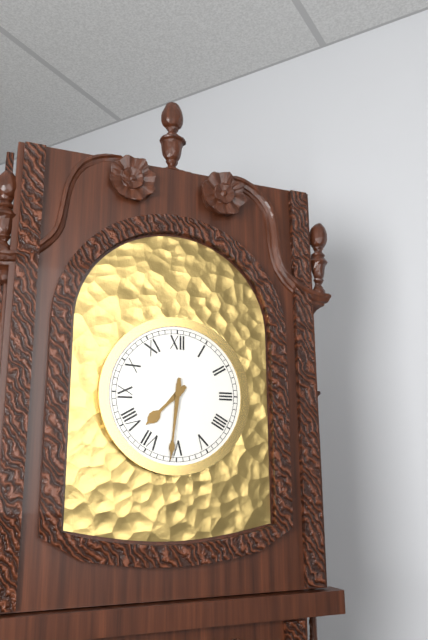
**7:31**
